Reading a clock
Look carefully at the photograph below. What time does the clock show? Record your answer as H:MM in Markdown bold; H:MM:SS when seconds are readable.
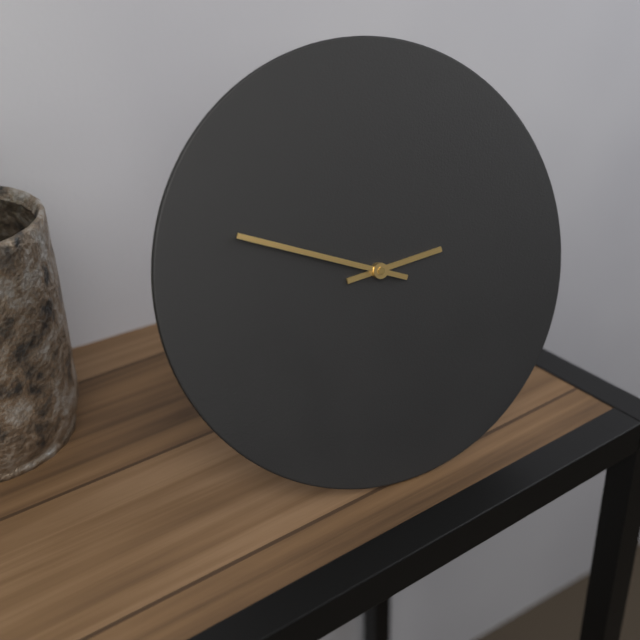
**2:49**
